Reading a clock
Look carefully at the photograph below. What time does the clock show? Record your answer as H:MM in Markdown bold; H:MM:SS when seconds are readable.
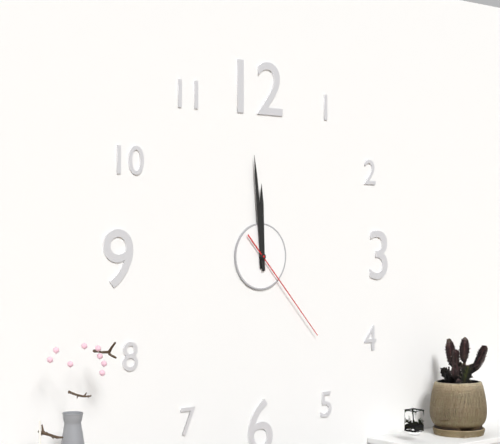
**11:59:23**
